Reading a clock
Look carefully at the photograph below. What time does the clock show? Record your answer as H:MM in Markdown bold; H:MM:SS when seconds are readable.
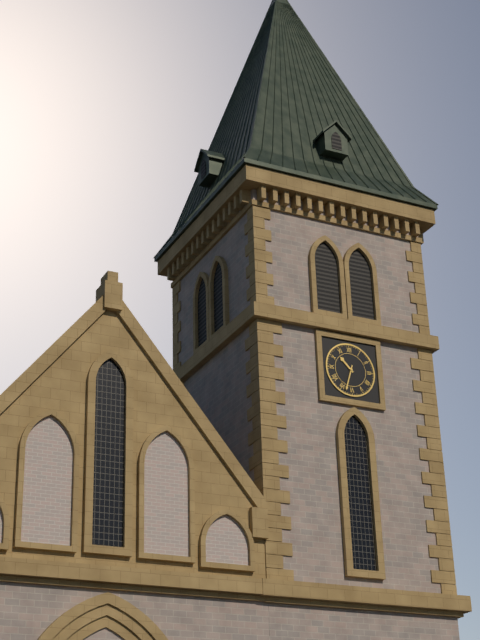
**10:33**
